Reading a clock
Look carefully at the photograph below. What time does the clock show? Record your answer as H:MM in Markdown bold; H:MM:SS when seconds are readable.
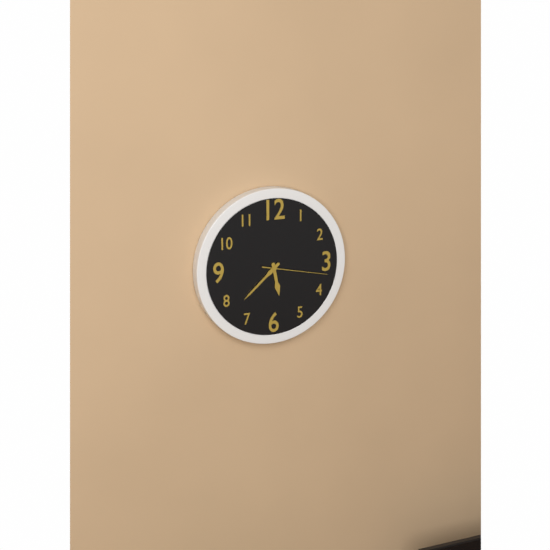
**5:38:17**
